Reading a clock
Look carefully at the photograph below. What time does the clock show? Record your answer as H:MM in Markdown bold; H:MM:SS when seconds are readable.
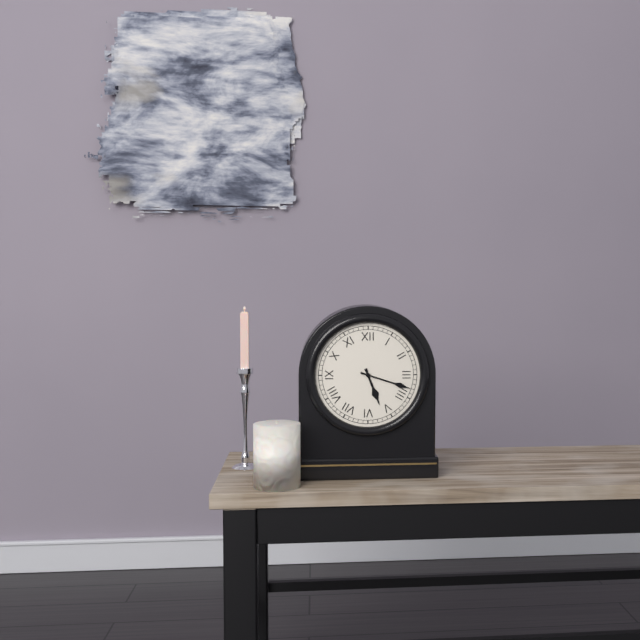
**5:18**
